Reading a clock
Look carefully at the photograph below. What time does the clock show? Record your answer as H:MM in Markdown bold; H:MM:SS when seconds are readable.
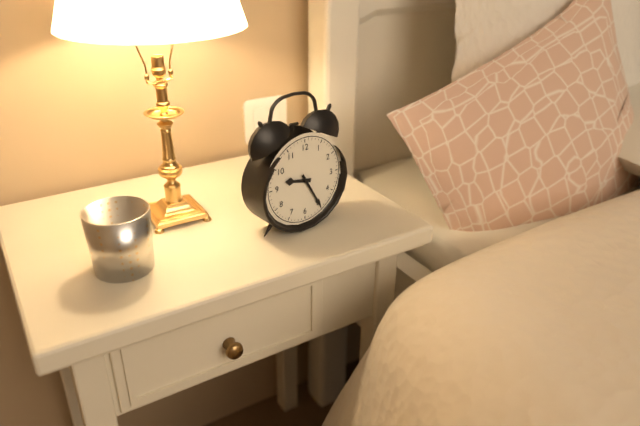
**9:25**
